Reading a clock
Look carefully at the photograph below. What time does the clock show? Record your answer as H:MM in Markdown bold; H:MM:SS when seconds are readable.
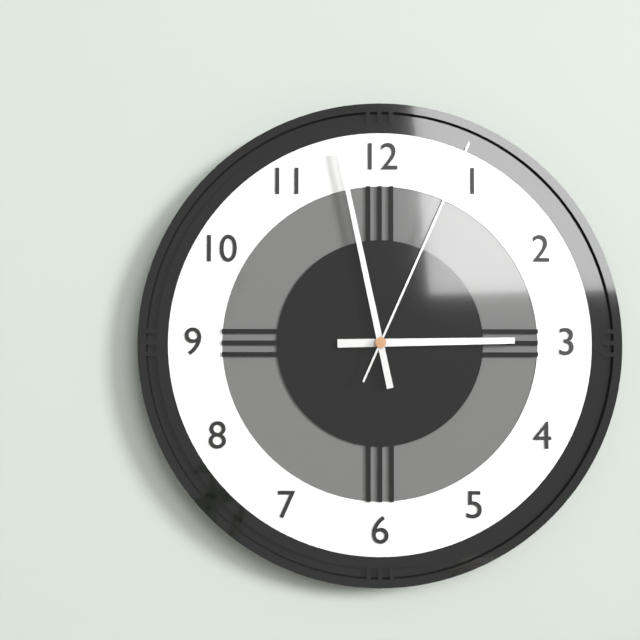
**2:58:04**
